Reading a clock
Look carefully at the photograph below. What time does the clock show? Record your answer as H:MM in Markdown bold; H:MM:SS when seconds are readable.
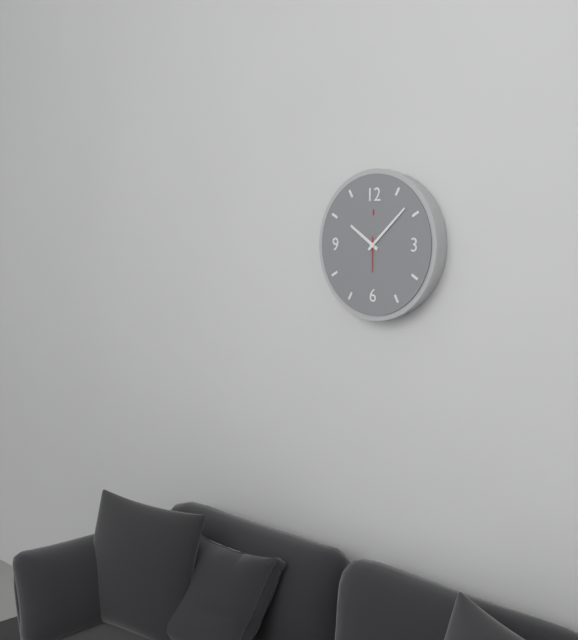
**10:08**
